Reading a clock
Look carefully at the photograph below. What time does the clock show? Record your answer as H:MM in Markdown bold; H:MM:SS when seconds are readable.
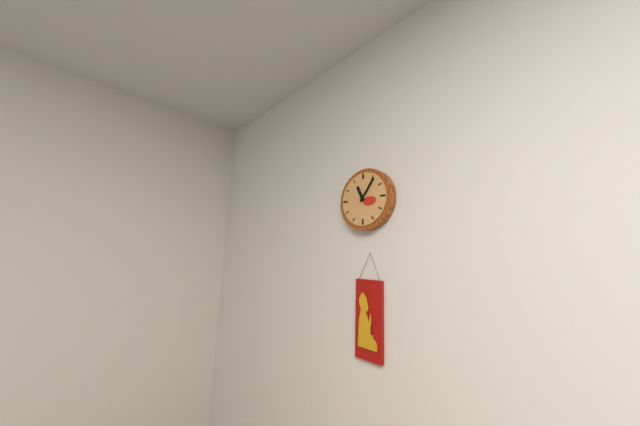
**11:06**
